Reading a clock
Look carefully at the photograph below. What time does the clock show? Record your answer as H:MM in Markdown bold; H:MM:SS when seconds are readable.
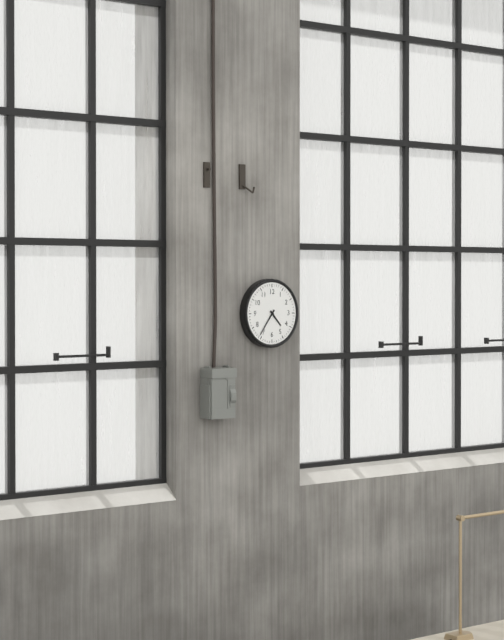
**4:36**
